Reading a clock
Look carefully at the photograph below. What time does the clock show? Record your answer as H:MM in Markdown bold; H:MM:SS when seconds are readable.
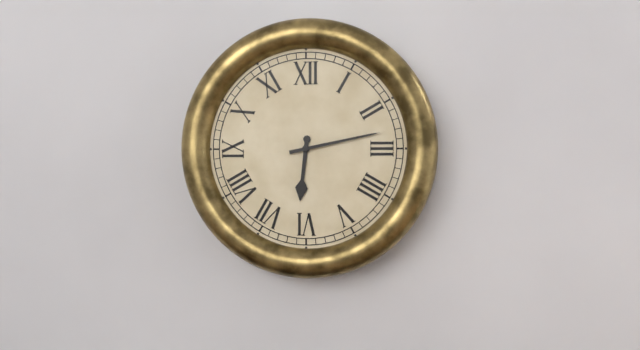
**6:13**
